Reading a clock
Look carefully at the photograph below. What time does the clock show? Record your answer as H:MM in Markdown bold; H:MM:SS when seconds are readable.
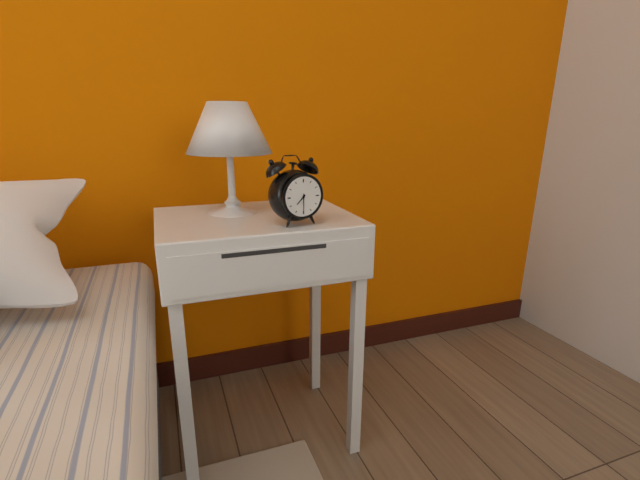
**7:30**
